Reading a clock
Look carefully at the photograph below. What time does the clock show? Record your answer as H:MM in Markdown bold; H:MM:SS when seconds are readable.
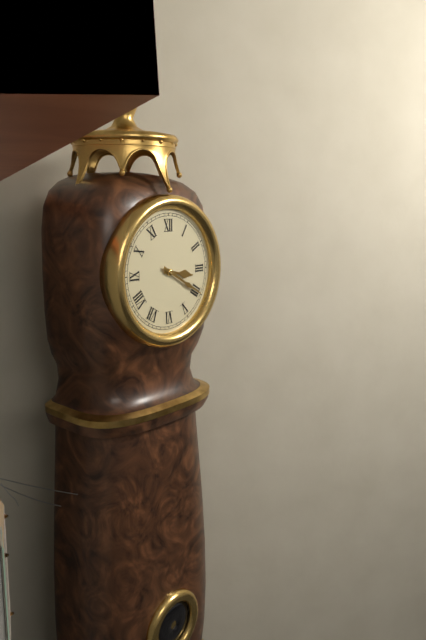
**3:20**
